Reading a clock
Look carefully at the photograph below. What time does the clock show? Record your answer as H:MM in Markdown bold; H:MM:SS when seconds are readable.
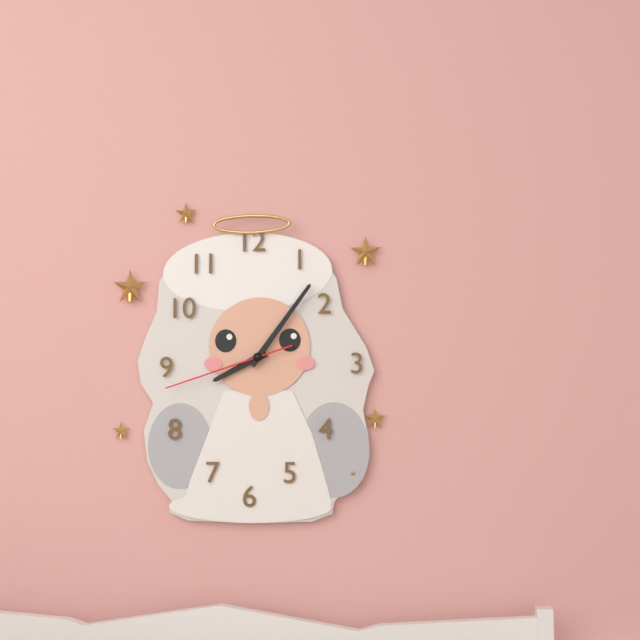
**8:06:42**
